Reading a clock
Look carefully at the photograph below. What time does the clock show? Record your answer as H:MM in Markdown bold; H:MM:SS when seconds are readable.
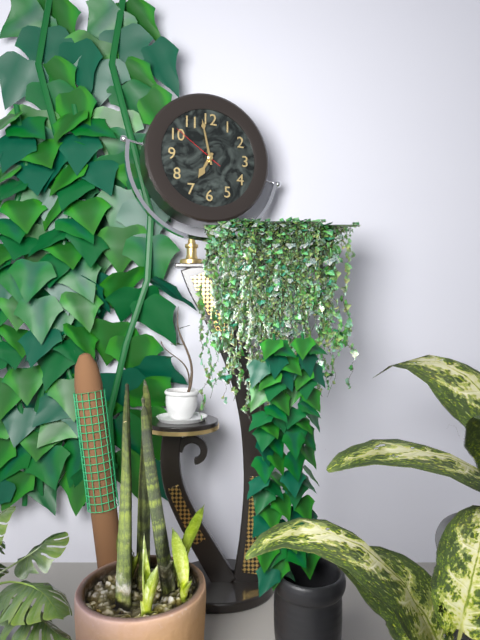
**6:58:51**
